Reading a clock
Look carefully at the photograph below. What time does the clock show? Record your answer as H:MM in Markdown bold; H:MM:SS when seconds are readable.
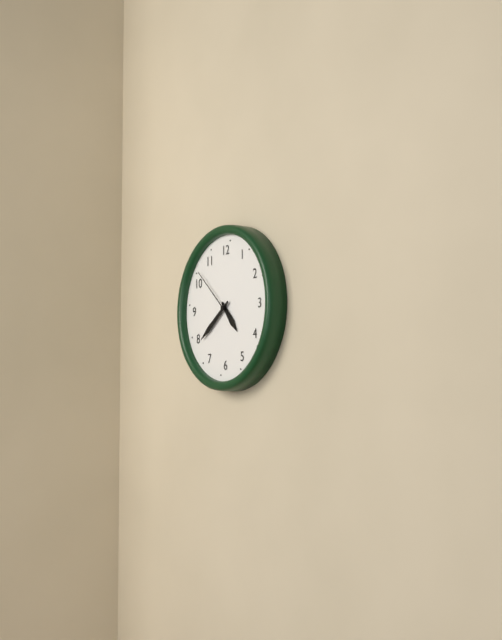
**4:39:52**
